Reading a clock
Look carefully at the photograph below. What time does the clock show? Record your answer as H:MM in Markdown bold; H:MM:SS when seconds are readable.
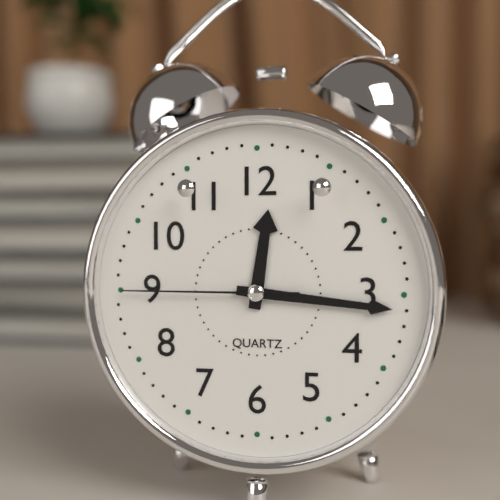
**12:16:45**
